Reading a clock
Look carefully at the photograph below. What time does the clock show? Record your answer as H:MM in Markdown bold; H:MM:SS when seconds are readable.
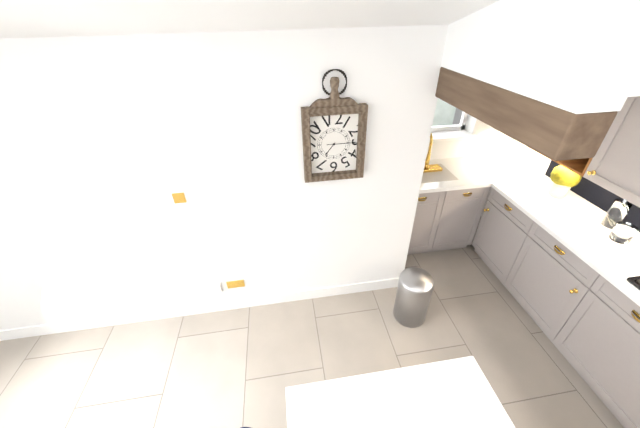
**7:15**
